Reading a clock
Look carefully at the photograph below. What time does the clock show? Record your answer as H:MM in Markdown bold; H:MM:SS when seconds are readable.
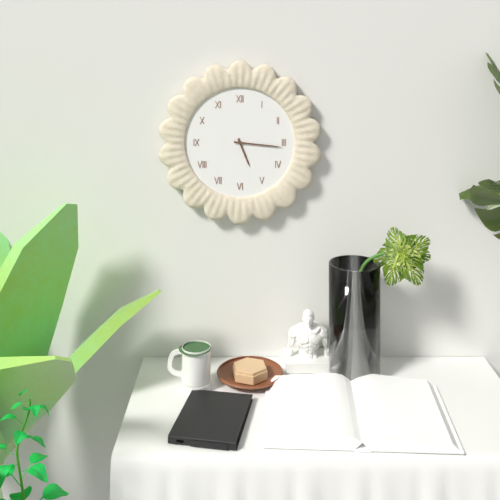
**5:16**
